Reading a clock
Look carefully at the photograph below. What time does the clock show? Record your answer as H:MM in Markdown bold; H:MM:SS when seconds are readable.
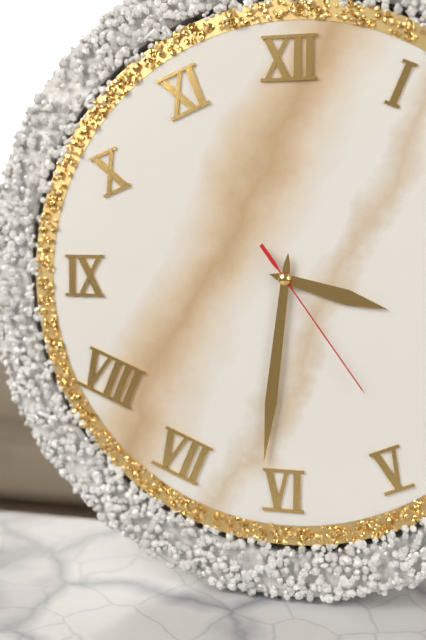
**3:31:24**
